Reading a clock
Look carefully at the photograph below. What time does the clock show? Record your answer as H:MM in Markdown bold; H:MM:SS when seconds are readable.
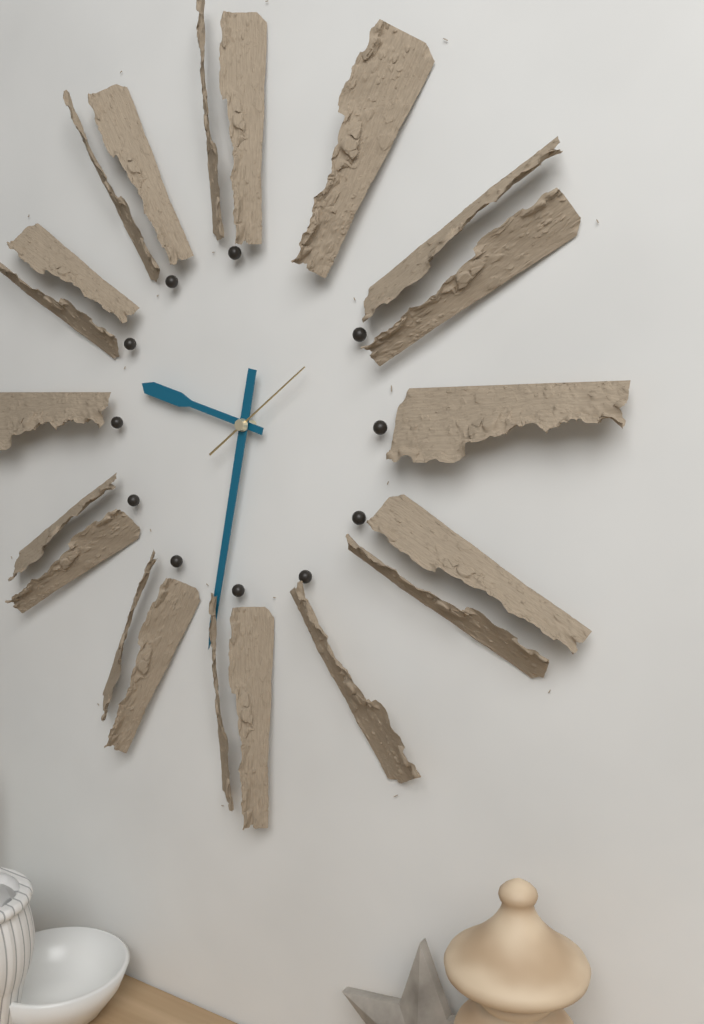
**9:32:09**
